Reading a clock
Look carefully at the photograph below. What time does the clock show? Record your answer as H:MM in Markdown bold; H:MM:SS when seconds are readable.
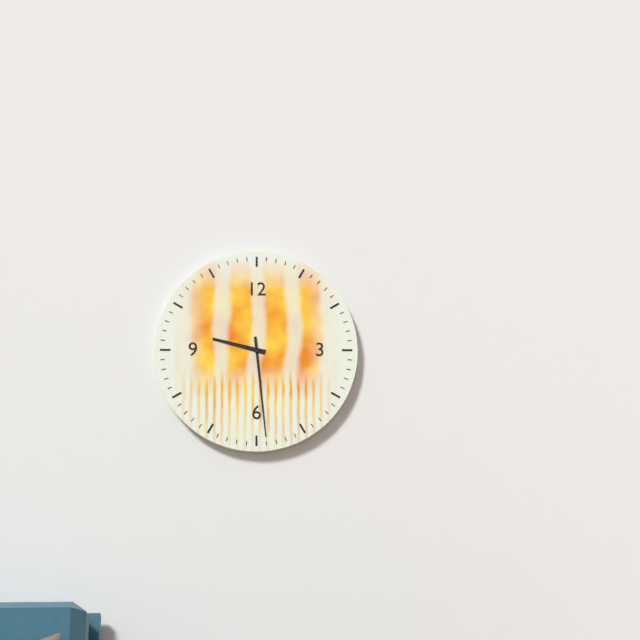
**9:29**
